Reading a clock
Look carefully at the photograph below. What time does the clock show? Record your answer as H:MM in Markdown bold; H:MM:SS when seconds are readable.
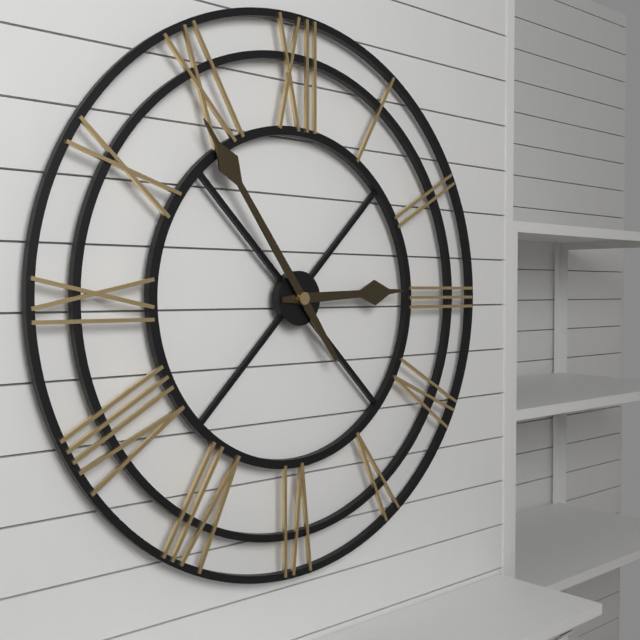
**2:54**
